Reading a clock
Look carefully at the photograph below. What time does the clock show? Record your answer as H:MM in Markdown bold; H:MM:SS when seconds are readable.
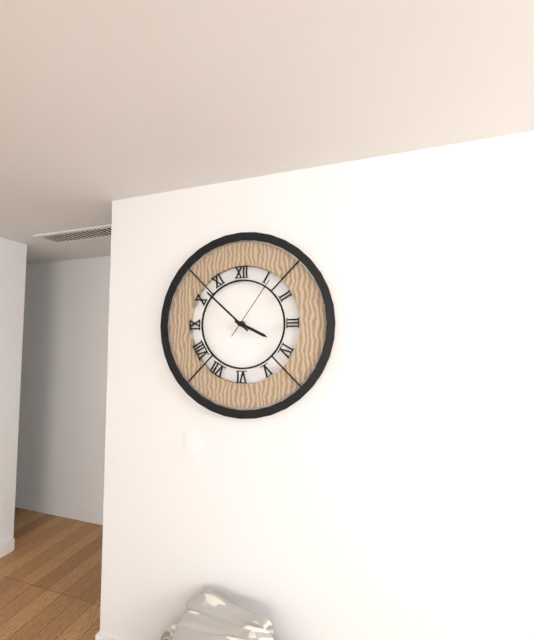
**3:52:06**
